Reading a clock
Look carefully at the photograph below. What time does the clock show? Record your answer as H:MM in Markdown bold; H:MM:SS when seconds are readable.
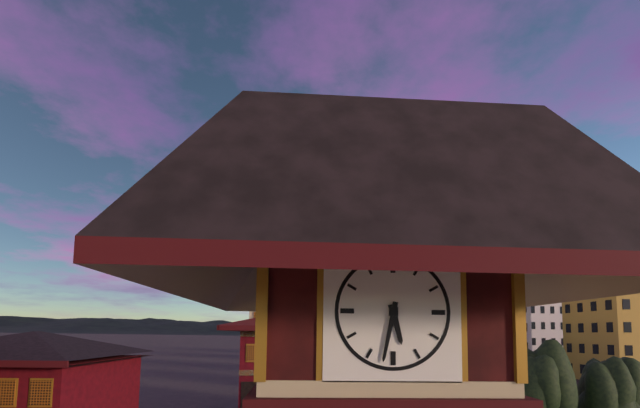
**5:32**
